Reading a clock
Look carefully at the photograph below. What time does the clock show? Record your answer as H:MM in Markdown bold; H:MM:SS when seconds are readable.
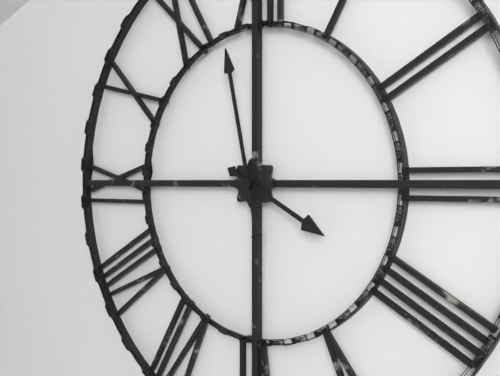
**3:58**
